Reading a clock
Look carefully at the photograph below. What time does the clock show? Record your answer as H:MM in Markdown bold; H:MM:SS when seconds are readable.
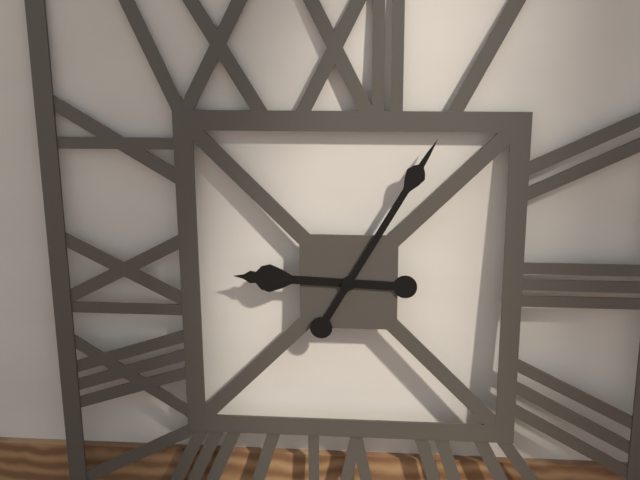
**9:05**
